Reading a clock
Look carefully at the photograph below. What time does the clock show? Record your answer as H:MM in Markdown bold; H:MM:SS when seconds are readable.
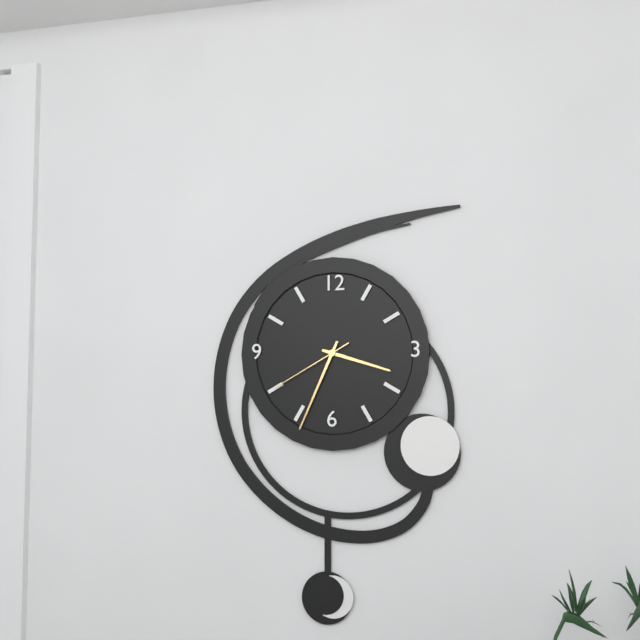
**3:34:40**
